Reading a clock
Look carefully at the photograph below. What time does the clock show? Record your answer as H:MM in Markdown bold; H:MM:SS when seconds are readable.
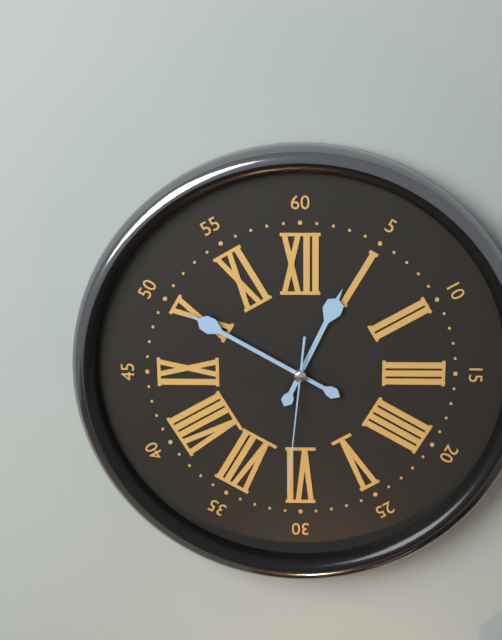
**12:50:31**
